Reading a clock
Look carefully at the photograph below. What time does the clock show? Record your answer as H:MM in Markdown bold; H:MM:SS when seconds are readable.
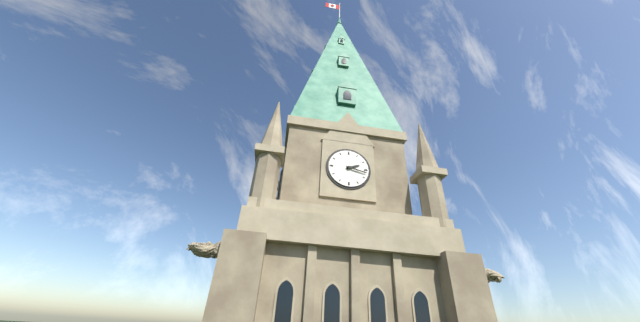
**2:17**
